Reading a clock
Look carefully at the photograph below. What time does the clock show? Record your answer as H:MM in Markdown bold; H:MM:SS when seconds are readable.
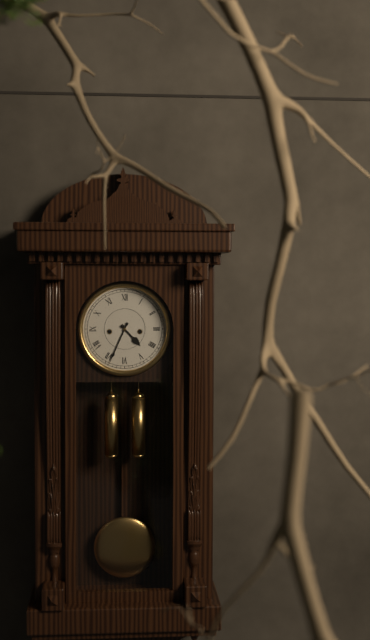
**4:34**
